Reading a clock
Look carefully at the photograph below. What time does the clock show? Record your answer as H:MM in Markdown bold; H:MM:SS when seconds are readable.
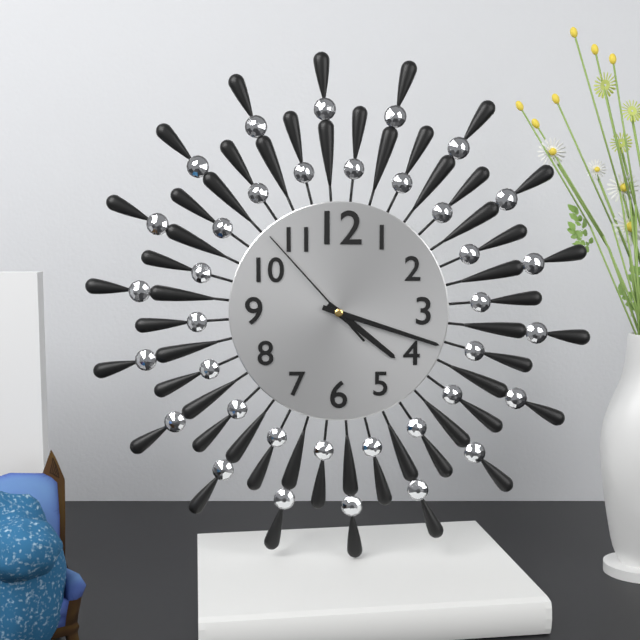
**4:18:53**
